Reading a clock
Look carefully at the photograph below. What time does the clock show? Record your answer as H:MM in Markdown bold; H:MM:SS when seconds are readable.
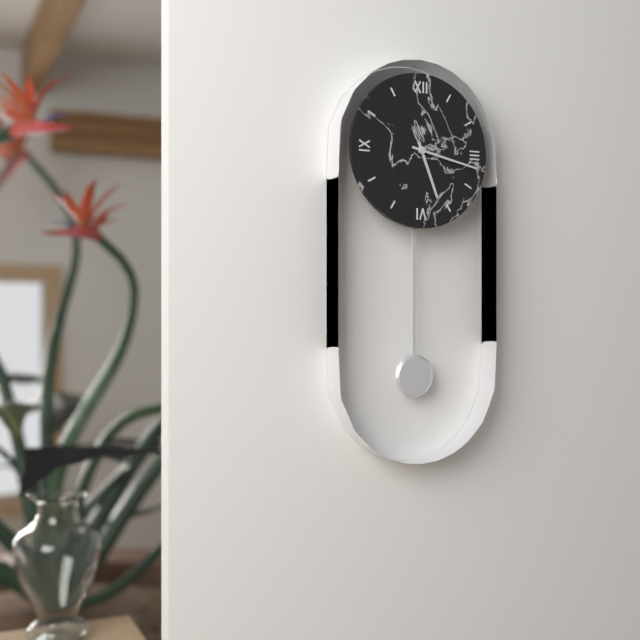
**5:17**
